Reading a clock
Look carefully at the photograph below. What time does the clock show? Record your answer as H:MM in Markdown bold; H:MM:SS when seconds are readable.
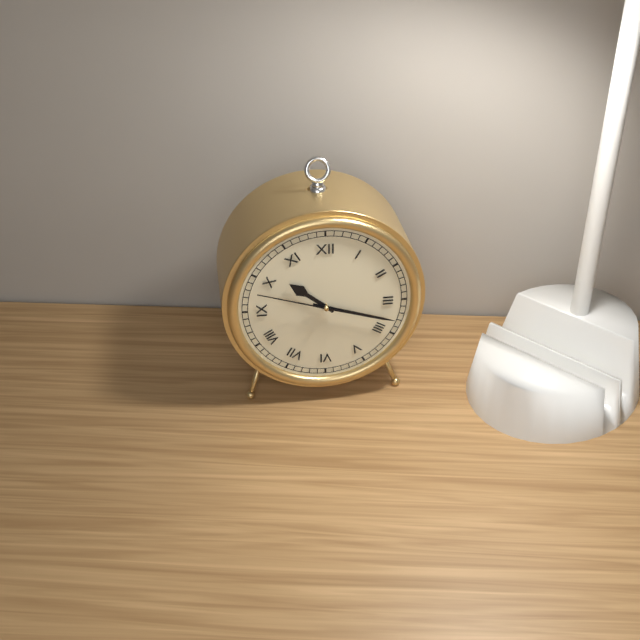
**10:18:48**
